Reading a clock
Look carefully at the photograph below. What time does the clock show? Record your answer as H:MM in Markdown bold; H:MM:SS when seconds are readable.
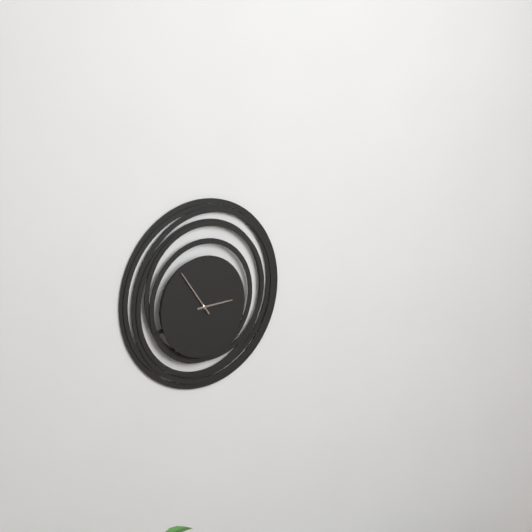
**2:54**
